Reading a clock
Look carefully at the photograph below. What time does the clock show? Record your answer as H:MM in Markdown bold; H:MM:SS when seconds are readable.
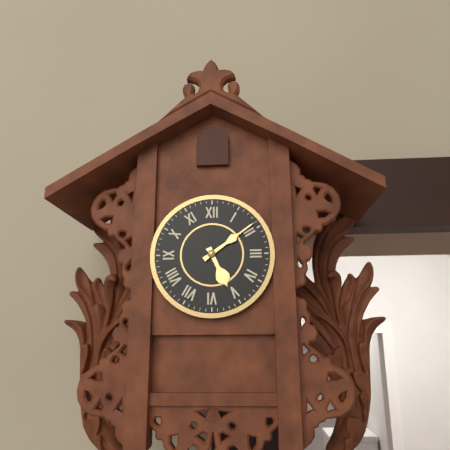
**5:09**
